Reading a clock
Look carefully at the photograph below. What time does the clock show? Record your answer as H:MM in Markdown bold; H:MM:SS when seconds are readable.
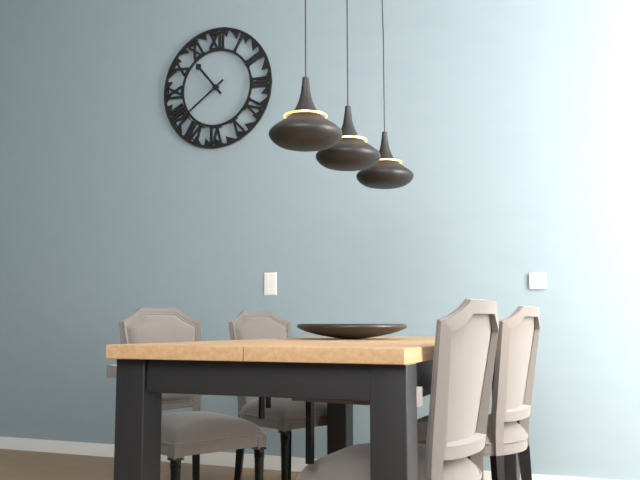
**10:39**
